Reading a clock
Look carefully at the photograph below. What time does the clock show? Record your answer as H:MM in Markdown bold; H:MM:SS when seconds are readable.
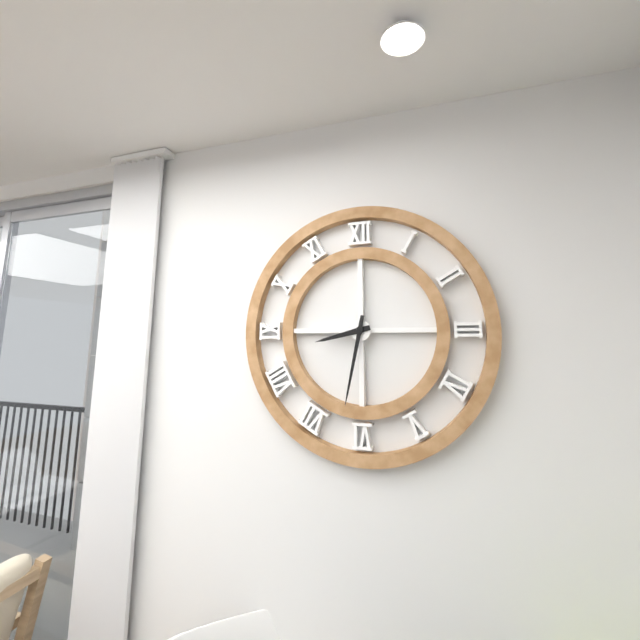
**8:32**
